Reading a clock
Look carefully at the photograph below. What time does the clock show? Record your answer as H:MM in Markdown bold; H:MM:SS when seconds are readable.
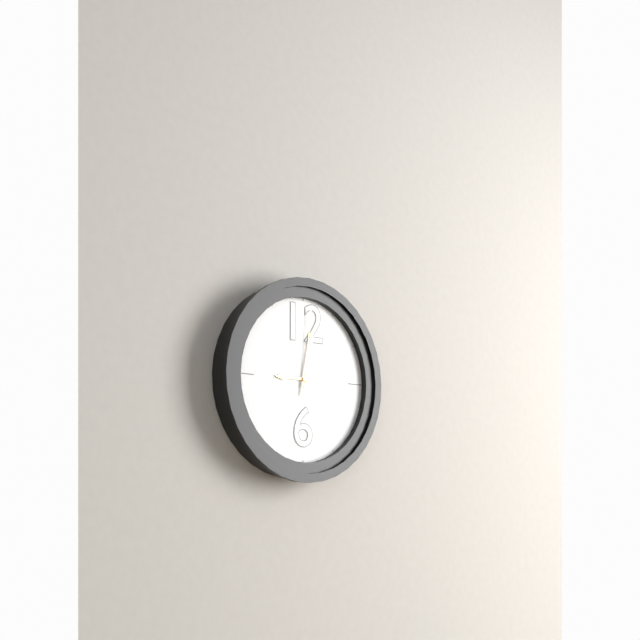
**9:02:01**
